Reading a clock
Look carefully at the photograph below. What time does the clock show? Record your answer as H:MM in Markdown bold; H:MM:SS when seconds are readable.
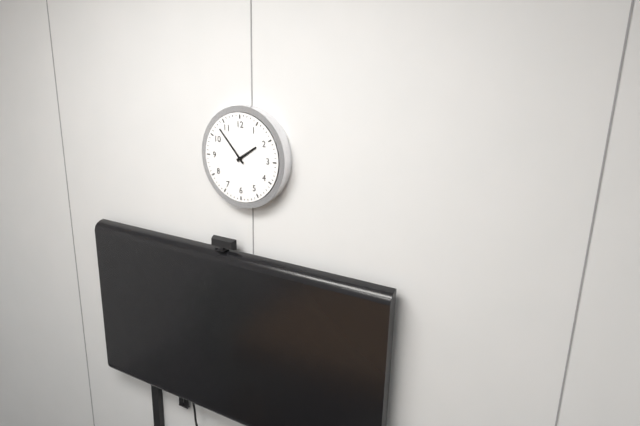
**1:53**
